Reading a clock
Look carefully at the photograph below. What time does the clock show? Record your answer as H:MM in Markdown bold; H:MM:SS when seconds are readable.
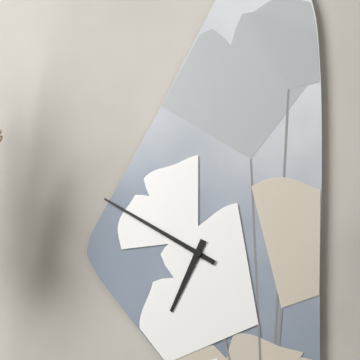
**6:50**
